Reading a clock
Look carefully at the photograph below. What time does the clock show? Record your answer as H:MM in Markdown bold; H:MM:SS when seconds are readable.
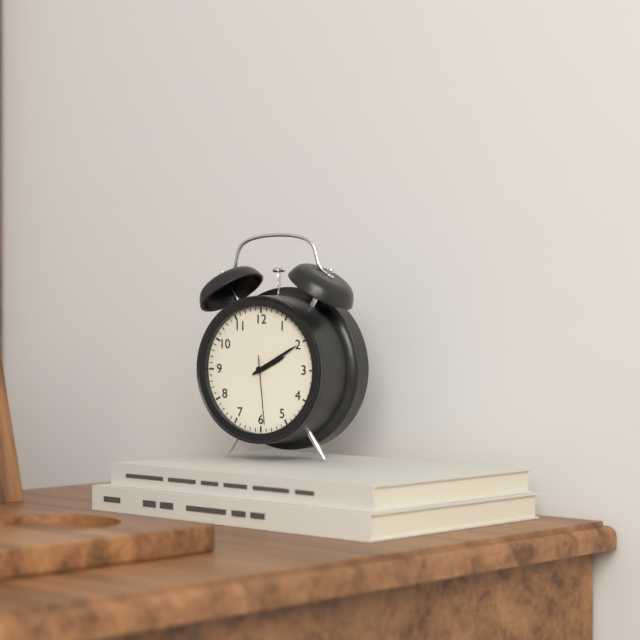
**2:10:29**
